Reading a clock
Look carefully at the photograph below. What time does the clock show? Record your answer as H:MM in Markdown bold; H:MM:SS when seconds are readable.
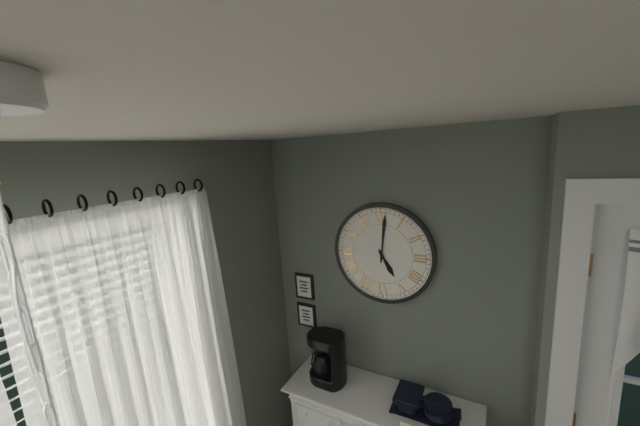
**5:01**
